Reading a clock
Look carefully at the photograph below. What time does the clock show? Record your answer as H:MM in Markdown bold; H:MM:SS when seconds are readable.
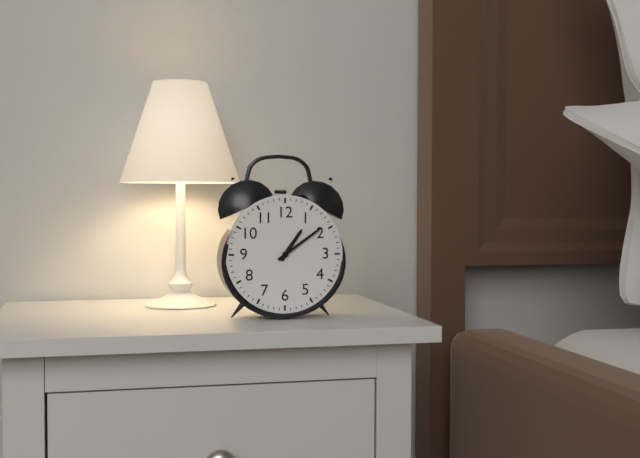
**1:09**
